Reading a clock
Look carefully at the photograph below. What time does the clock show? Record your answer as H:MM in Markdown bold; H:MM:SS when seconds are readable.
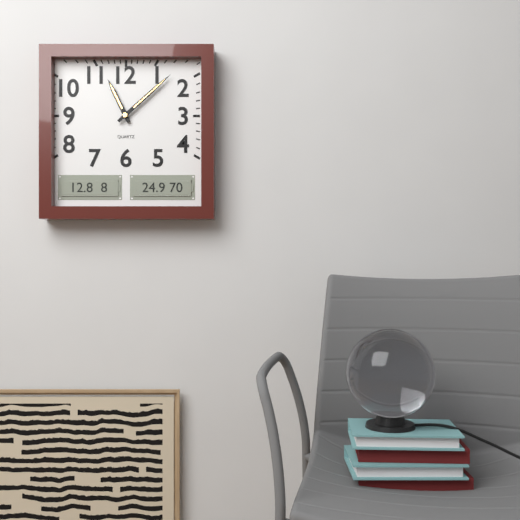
**11:08**
